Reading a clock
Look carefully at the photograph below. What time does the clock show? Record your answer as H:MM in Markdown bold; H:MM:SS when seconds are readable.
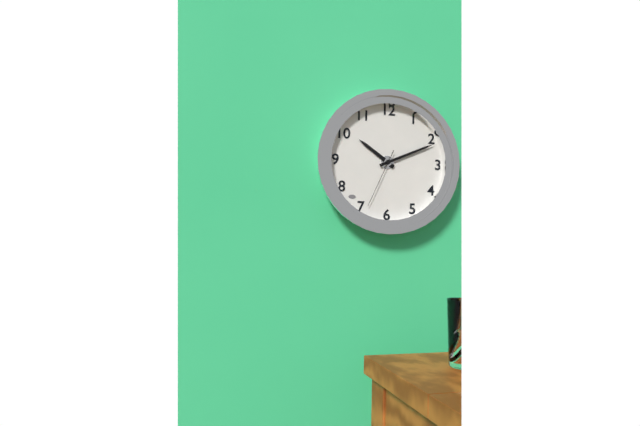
**10:11:34**
